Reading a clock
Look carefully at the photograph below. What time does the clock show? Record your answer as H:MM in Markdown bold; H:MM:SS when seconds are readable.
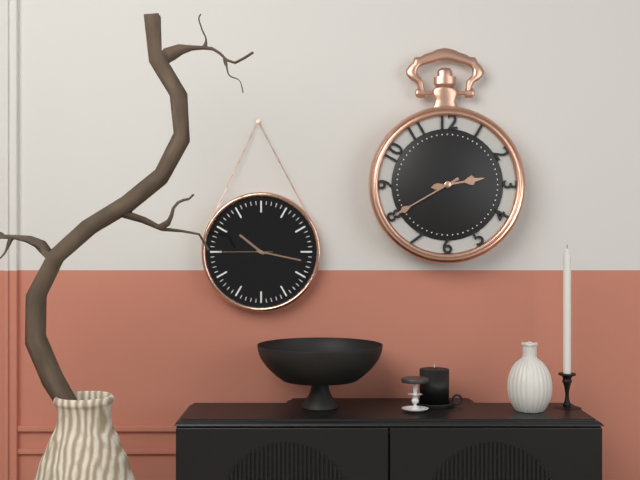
**2:40**
